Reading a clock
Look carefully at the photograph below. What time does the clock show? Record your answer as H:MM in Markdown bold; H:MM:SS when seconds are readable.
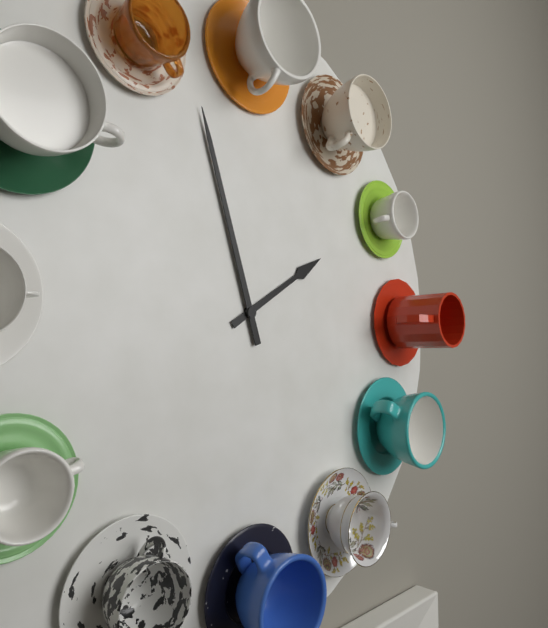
**1:57**
